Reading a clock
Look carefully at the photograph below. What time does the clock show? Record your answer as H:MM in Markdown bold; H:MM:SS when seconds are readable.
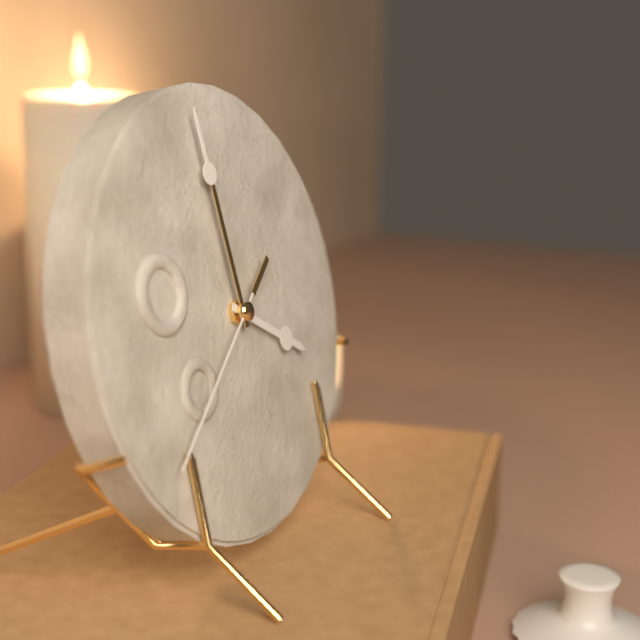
**3:59:39**
